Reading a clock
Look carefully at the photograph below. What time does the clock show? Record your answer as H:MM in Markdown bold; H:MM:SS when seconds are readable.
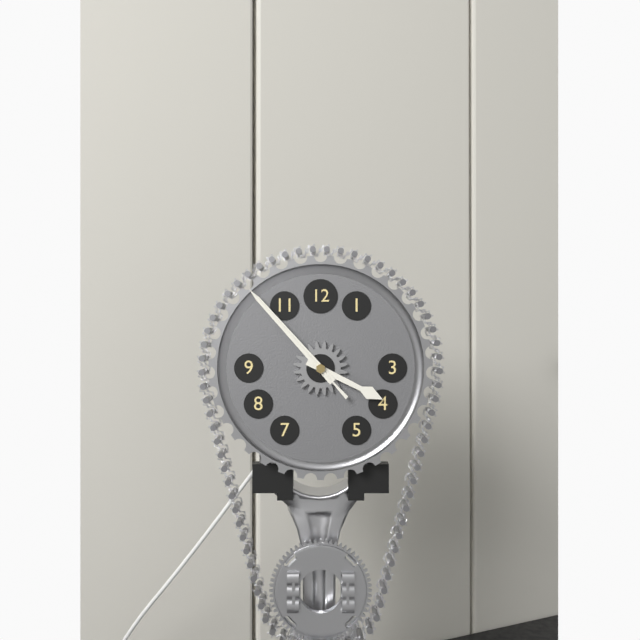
**3:53:53**
